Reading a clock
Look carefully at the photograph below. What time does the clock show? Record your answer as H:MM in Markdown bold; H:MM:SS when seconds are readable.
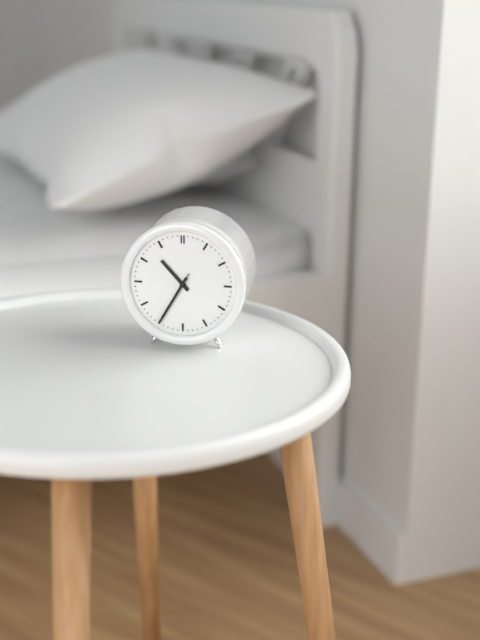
**10:35:35**
